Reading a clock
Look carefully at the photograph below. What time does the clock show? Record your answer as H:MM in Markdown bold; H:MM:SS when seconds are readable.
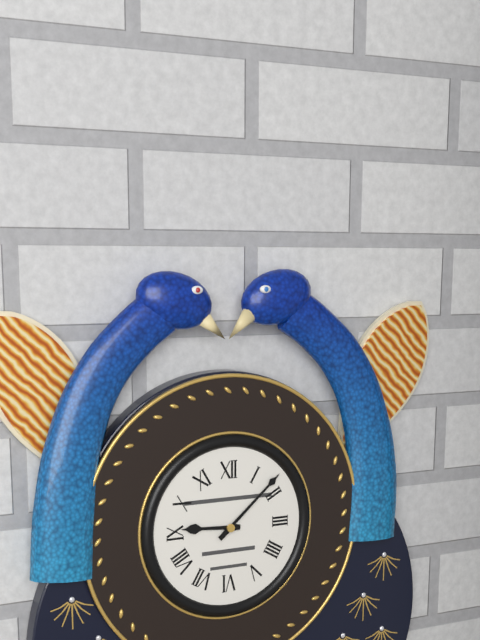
**9:08**
